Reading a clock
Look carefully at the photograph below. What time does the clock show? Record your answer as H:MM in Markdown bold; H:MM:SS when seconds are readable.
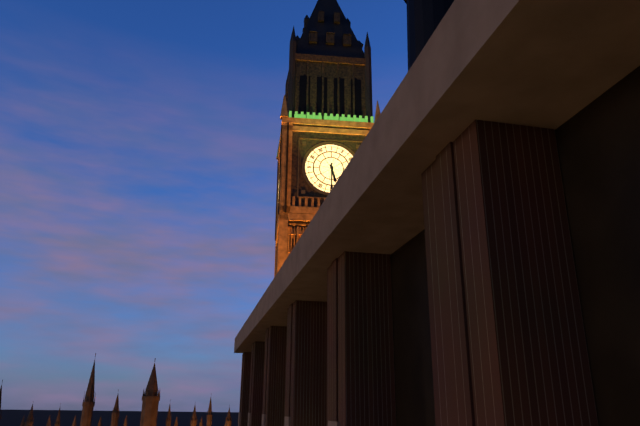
**5:30**
